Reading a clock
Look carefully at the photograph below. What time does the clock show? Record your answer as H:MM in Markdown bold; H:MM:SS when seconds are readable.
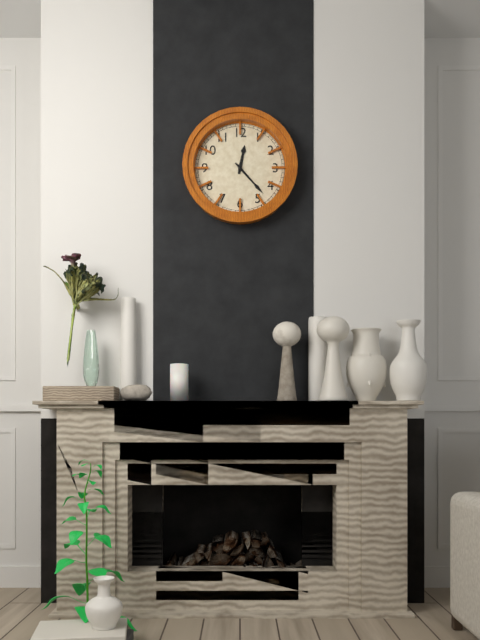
**12:23**
